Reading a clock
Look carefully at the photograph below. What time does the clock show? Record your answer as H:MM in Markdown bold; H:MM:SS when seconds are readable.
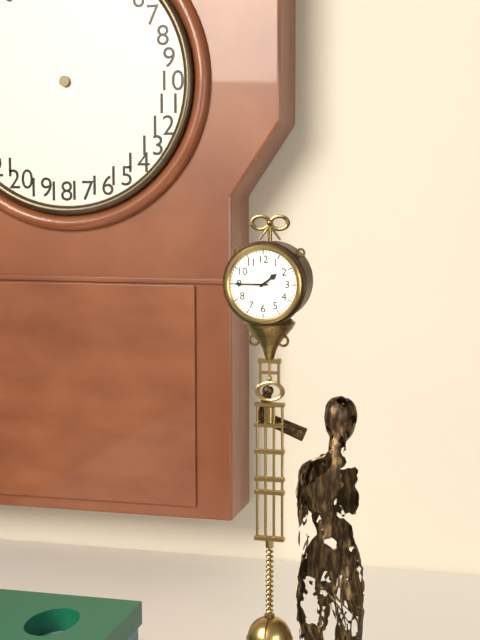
**1:45**
